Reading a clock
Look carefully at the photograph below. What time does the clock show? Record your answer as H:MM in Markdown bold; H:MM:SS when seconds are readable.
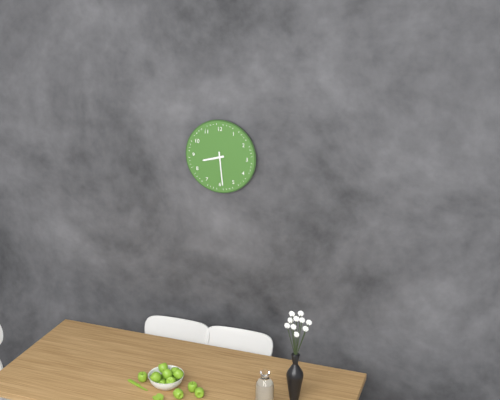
**8:29**
